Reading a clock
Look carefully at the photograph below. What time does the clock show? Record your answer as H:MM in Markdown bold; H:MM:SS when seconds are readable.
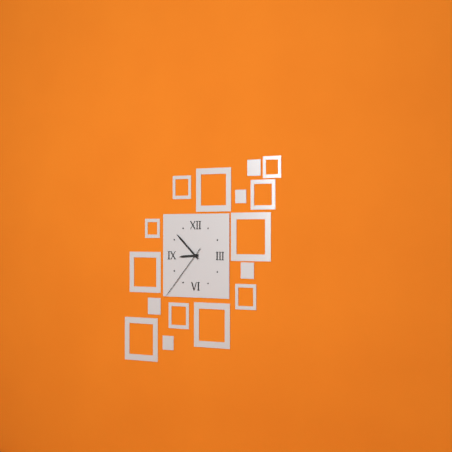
**8:52:37**
